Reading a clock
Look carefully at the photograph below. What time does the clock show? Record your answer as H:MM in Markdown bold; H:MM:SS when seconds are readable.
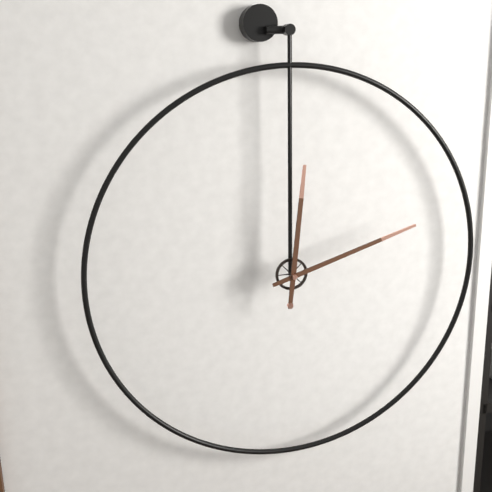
**12:12**
